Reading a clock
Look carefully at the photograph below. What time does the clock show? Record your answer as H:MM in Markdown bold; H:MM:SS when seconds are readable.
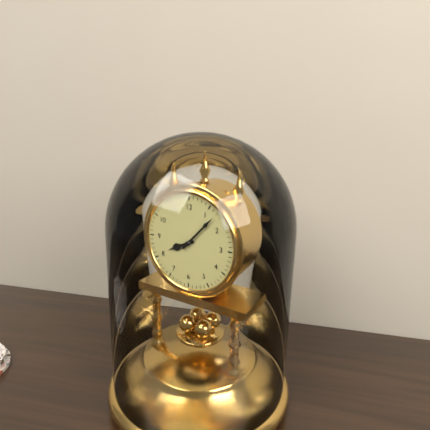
**8:07**
